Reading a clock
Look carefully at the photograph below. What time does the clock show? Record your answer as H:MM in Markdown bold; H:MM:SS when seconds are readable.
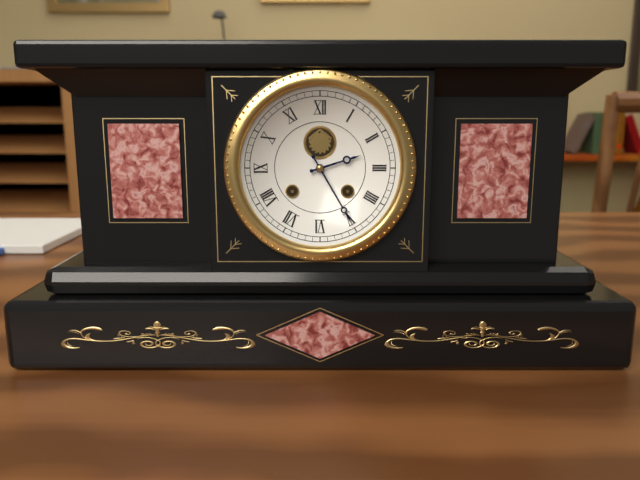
**2:25**
